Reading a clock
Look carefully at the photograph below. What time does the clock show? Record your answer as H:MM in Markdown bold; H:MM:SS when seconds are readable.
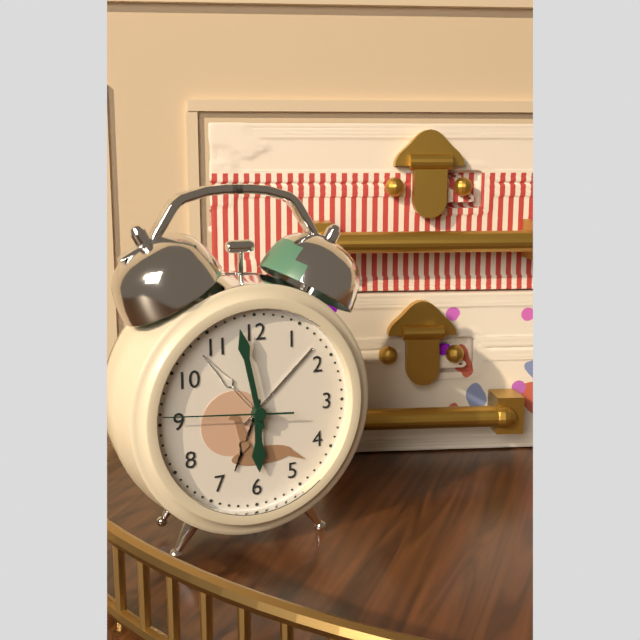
**5:58:46**
